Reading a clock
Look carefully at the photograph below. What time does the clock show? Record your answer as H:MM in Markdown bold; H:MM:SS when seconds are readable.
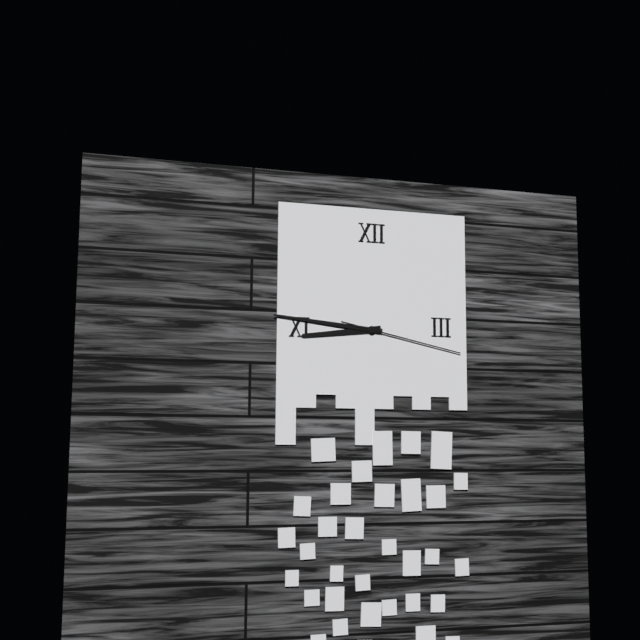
**8:46:17**
